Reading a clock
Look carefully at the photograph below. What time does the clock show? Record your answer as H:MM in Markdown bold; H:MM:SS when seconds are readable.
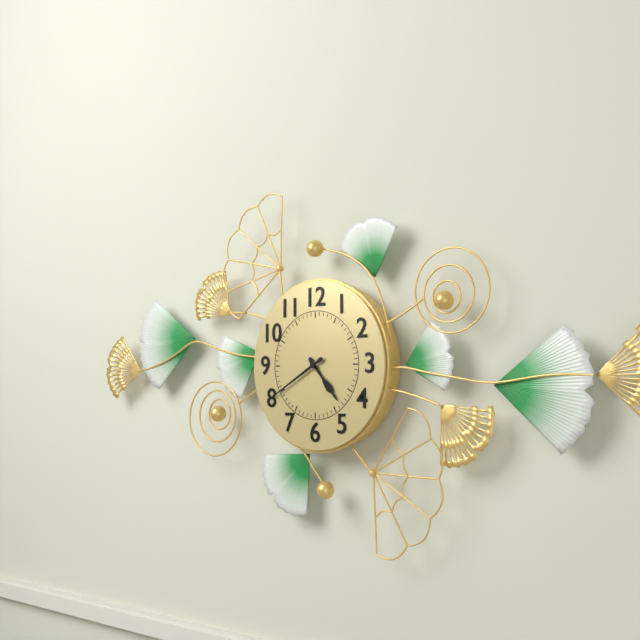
**4:40**
